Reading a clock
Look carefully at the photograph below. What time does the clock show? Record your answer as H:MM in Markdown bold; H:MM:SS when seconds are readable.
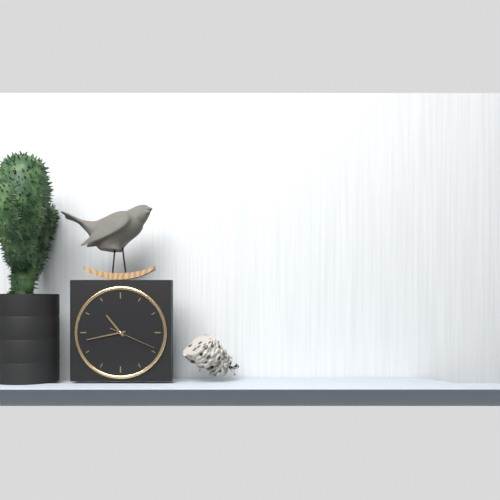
**10:43**
